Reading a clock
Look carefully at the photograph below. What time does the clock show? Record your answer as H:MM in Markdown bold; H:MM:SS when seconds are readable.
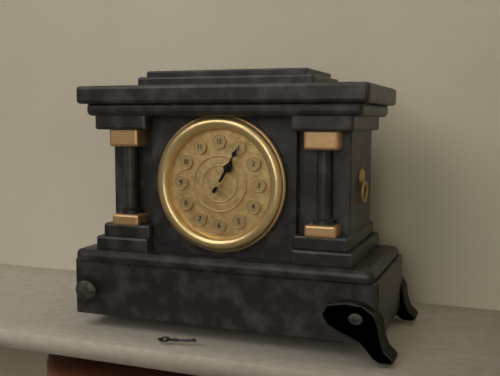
**1:05**
